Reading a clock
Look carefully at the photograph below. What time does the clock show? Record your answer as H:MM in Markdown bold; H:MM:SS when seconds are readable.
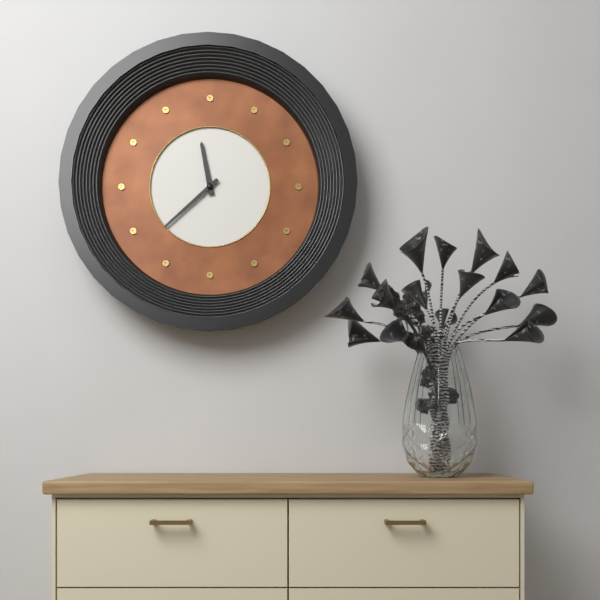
**11:38**
